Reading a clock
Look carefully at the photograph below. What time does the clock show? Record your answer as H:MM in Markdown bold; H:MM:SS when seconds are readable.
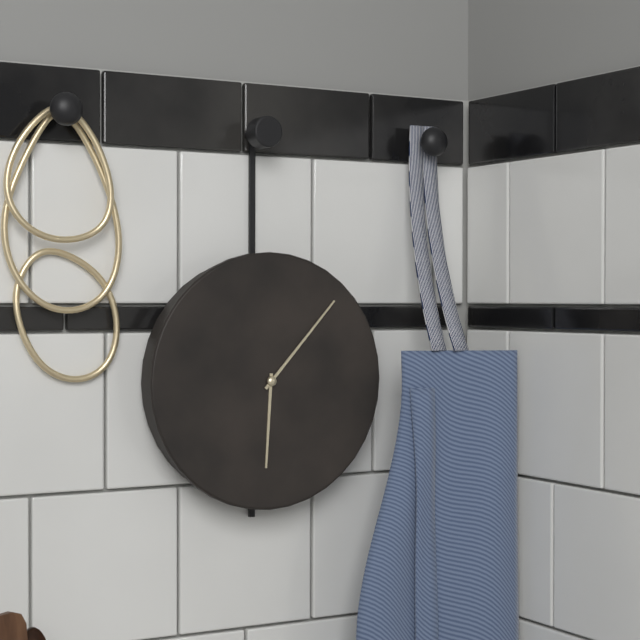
**6:07**
